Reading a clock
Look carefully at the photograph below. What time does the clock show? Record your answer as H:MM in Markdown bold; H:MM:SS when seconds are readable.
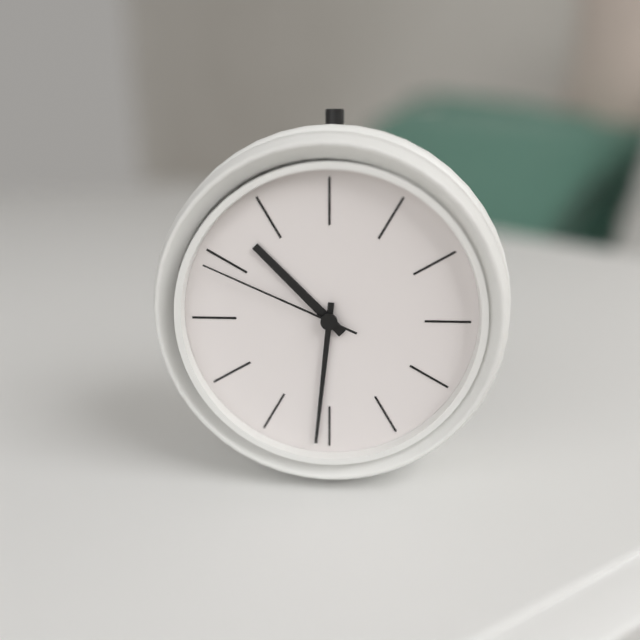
**10:31:49**
